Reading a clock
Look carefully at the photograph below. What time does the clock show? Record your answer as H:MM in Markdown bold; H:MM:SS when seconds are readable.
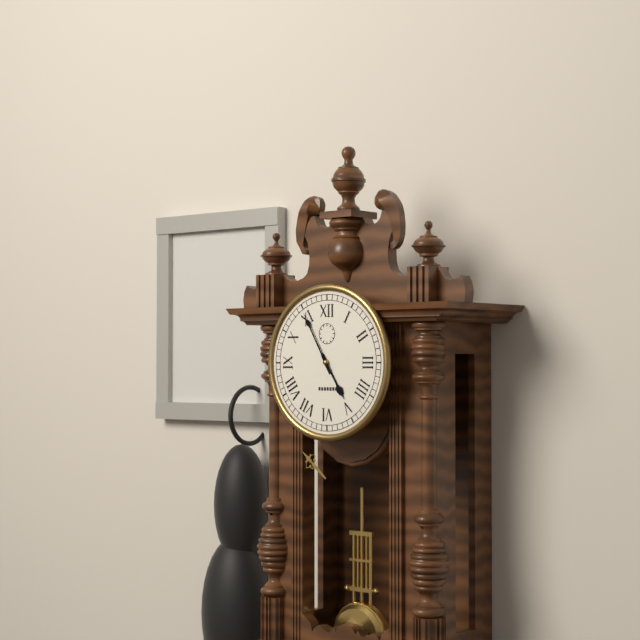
**4:55**
